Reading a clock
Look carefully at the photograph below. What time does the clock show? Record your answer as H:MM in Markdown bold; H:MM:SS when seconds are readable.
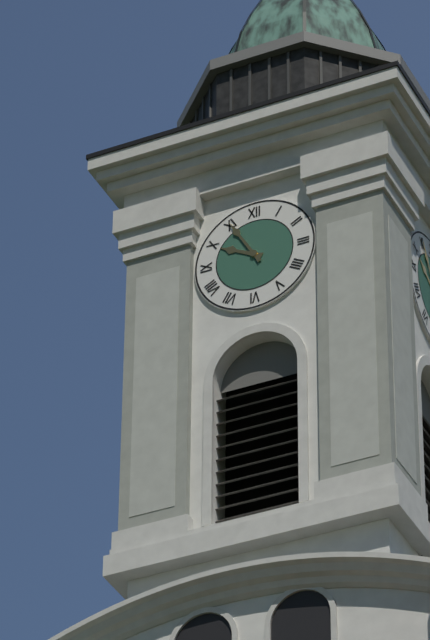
**9:55**
